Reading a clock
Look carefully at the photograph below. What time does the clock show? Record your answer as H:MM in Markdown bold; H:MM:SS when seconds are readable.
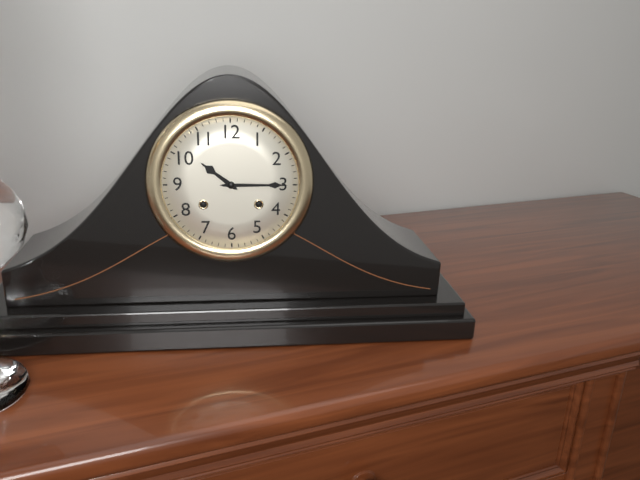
**10:15**
